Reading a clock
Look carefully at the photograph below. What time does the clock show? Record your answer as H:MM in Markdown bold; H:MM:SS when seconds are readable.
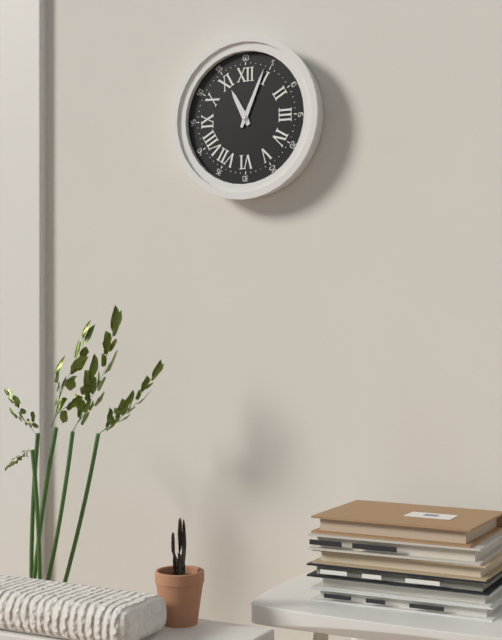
**11:04**
